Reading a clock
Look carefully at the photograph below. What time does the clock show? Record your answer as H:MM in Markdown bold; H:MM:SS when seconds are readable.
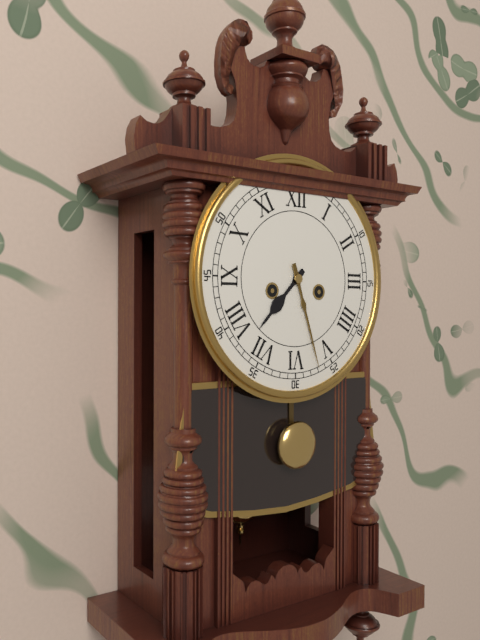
**7:27**
